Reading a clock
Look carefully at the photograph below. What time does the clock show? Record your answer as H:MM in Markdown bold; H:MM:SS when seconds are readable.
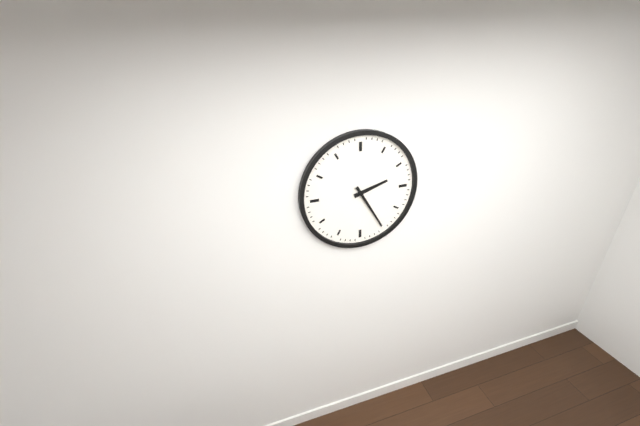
**2:25**
